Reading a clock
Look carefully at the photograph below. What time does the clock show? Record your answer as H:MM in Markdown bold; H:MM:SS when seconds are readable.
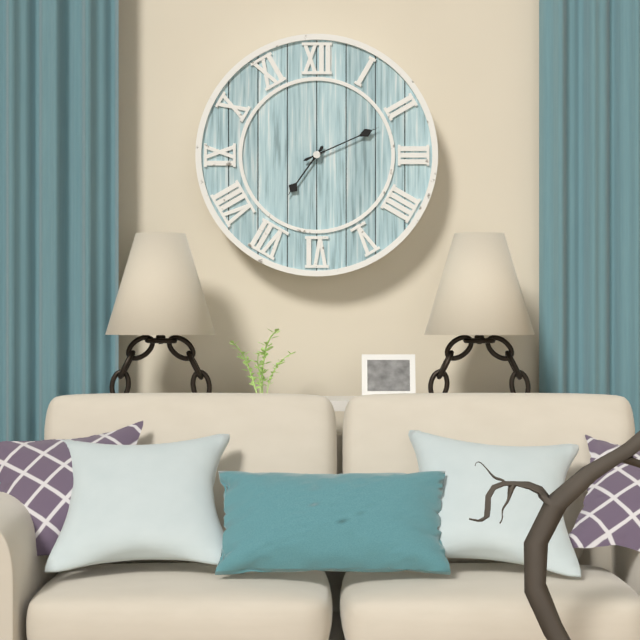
**7:11**
